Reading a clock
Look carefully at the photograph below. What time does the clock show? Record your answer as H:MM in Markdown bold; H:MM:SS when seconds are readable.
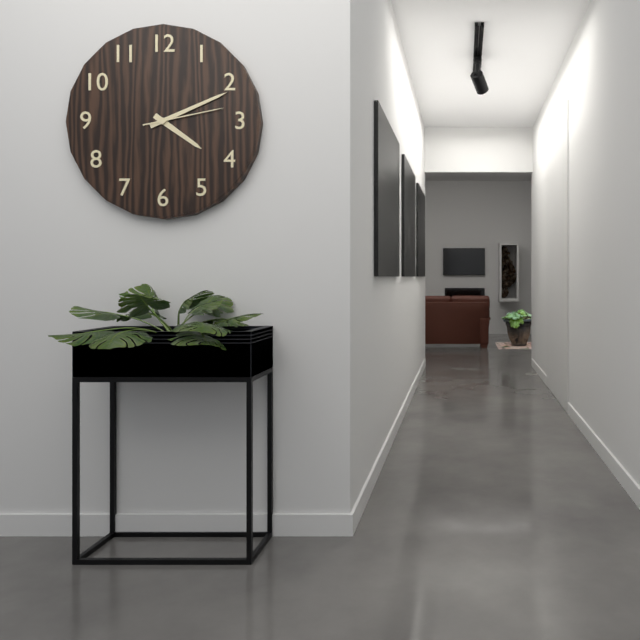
**4:11:13**
